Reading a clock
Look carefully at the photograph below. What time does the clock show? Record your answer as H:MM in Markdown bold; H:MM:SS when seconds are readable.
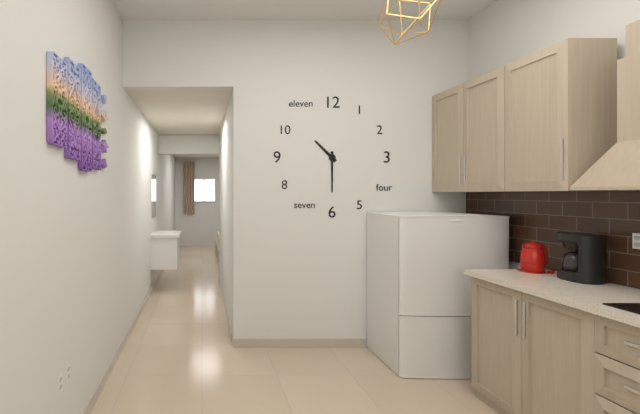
**10:30**
